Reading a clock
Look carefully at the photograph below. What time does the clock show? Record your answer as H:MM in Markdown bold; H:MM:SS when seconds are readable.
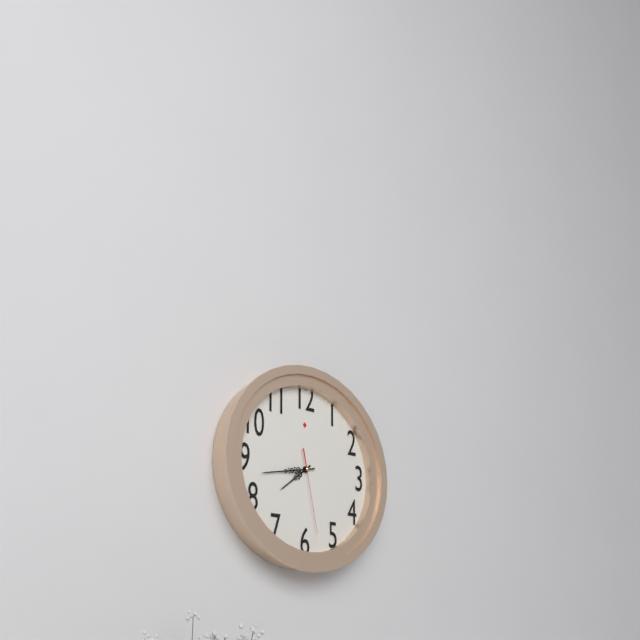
**7:43:28**
